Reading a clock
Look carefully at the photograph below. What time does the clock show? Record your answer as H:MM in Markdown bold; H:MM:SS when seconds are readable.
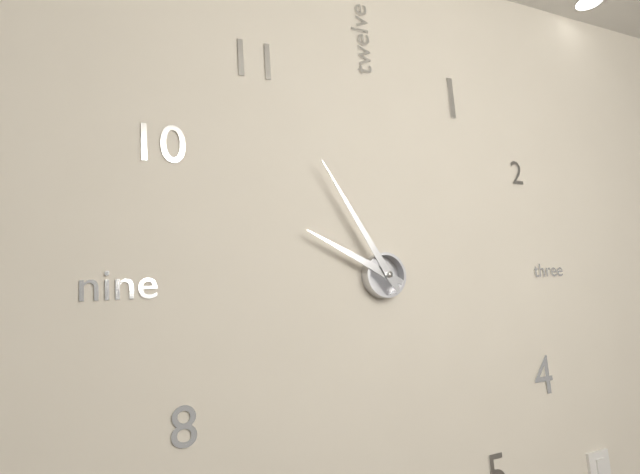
**9:55**
